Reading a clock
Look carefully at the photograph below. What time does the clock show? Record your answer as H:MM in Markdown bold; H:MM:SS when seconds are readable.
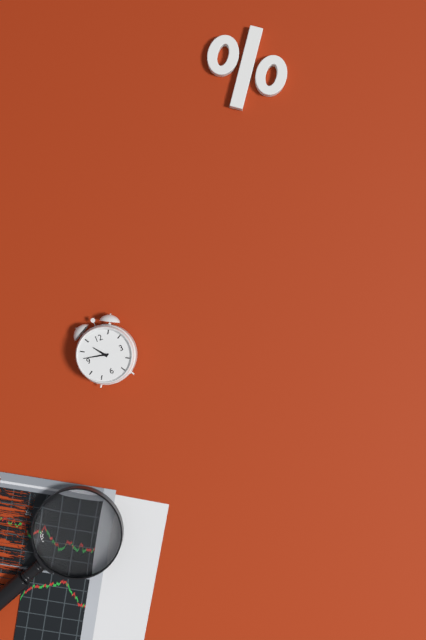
**10:47**
